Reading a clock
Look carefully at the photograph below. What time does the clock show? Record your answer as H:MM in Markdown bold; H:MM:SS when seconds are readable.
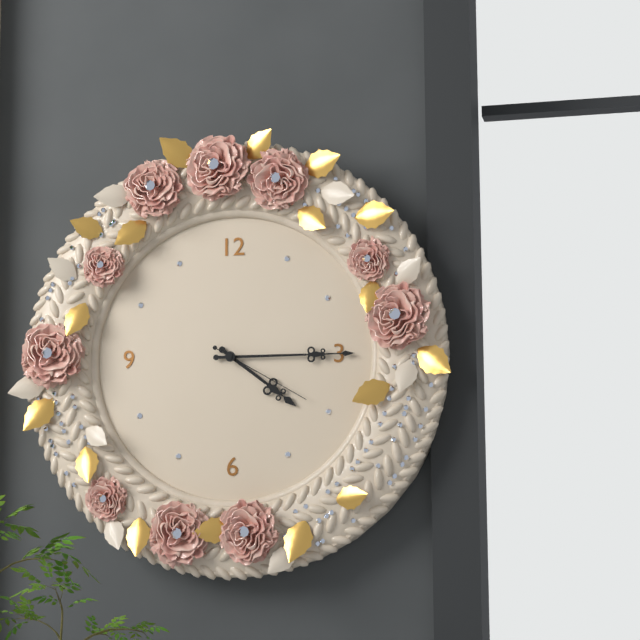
**4:15:20**
